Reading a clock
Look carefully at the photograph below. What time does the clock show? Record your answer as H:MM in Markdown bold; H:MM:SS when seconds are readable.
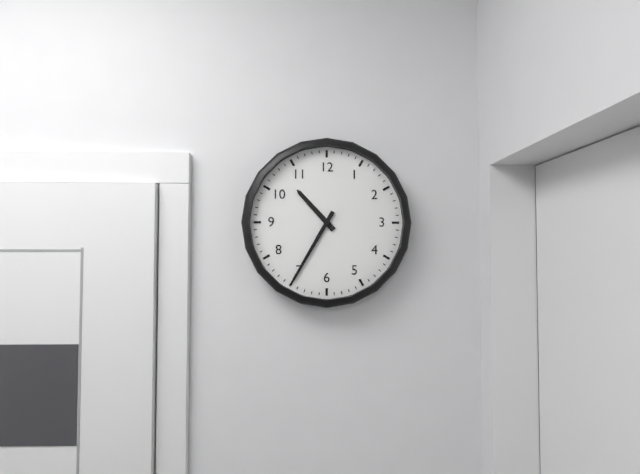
**10:35**
